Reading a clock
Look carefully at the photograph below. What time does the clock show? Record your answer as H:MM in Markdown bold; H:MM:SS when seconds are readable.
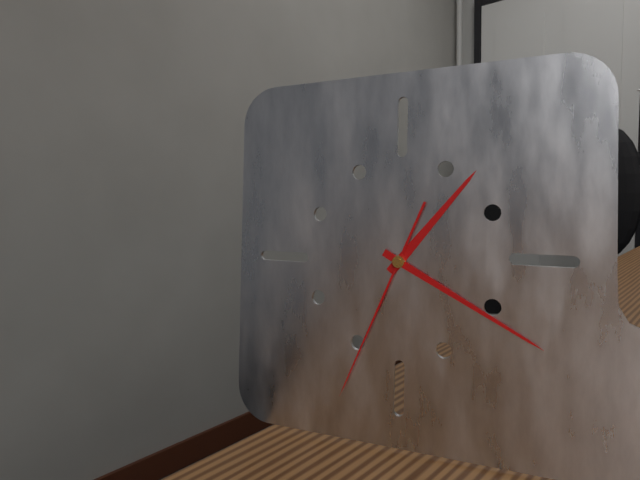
**1:20:34**
